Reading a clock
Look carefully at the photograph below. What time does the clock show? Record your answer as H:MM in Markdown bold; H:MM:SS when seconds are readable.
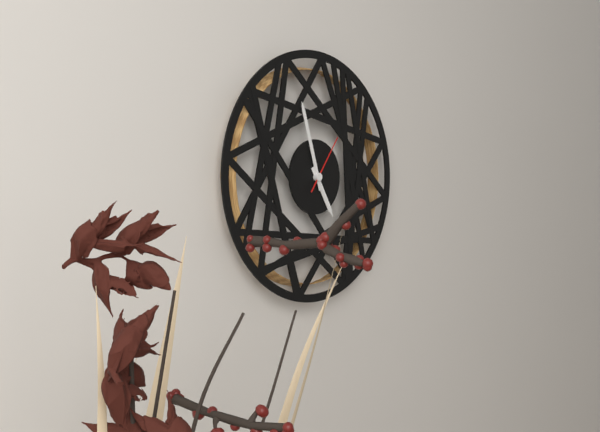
**4:57:06**
